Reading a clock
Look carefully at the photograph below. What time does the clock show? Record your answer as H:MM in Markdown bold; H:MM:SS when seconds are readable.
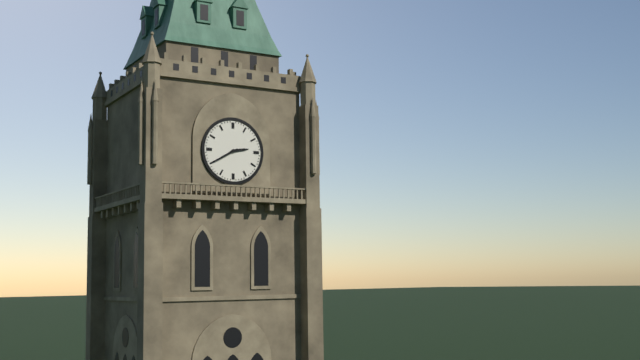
**2:40**
